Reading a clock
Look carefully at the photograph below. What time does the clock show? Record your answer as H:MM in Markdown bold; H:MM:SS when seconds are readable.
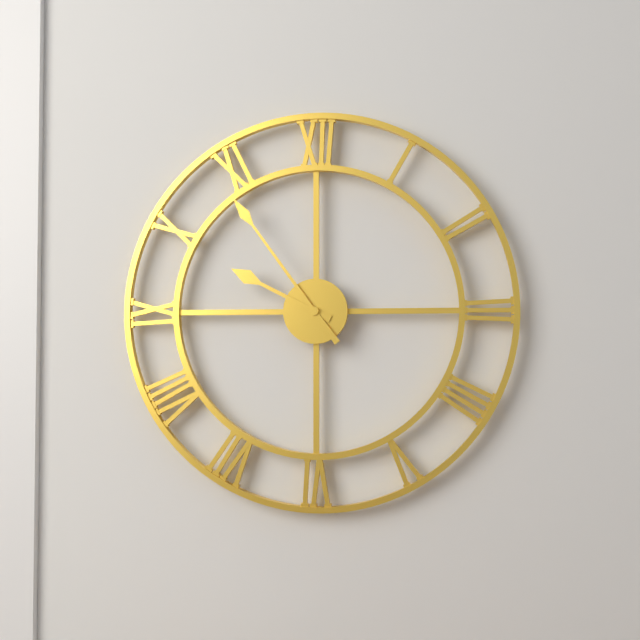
**9:54**
